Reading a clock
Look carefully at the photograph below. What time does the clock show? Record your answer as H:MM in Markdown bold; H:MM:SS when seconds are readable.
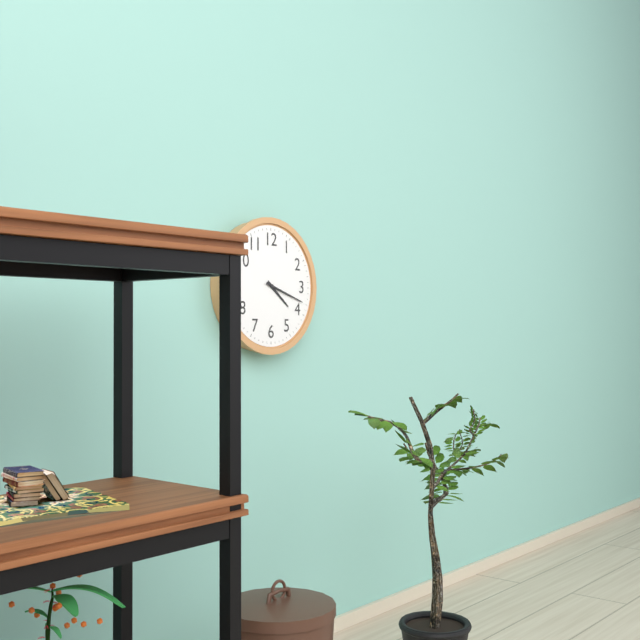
**4:18**
